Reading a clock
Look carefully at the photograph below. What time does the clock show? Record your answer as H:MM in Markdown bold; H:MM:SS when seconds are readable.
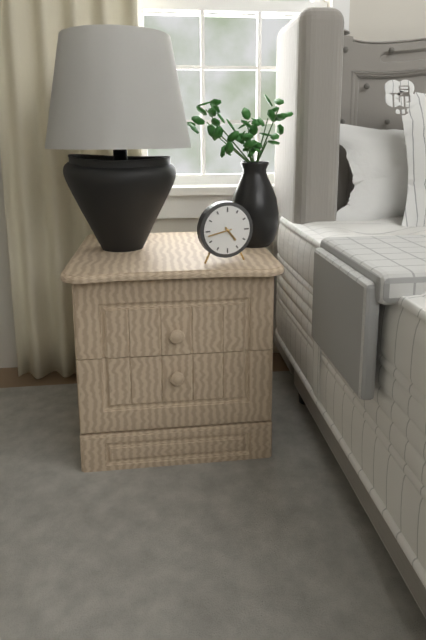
**4:43**
